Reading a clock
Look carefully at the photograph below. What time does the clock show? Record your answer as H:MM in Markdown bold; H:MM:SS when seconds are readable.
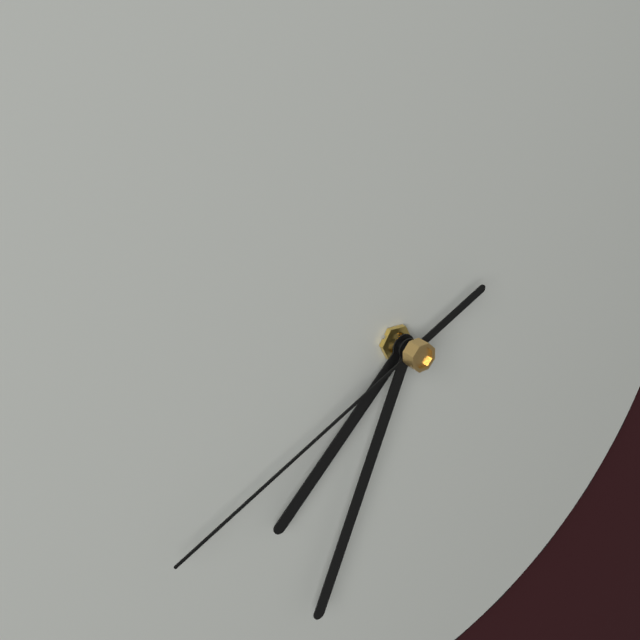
**7:34:41**
